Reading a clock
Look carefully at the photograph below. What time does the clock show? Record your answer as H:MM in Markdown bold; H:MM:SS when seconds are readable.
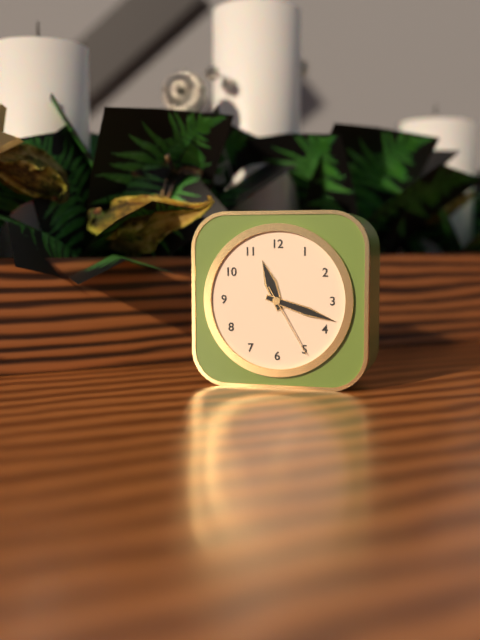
**11:18:25**
